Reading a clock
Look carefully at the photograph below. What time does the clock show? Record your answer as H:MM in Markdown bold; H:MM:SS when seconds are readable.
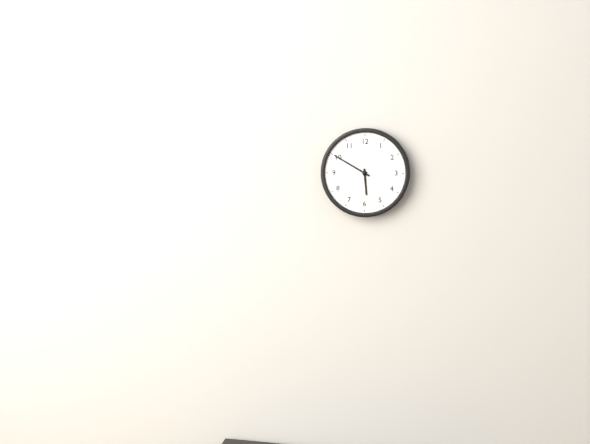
**5:50**
